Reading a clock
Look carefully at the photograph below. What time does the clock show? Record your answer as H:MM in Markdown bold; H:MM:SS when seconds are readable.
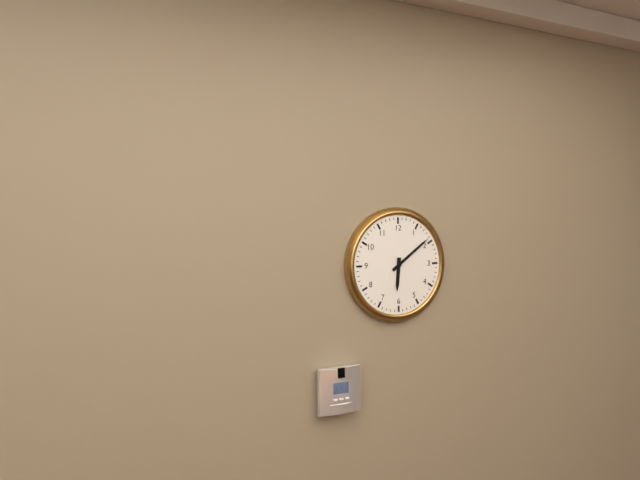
**6:09**
